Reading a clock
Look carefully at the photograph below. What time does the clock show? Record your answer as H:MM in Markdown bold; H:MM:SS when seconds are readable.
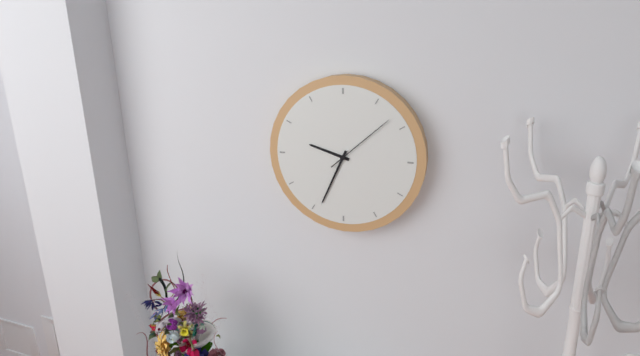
**9:34:08**
